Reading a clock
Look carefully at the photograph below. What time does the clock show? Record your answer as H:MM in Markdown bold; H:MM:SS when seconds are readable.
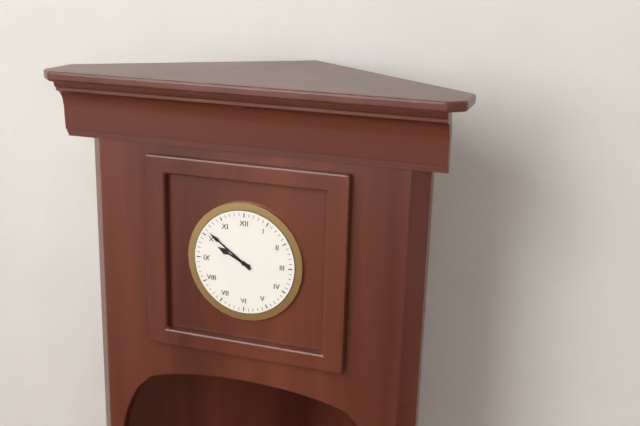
**9:51**
